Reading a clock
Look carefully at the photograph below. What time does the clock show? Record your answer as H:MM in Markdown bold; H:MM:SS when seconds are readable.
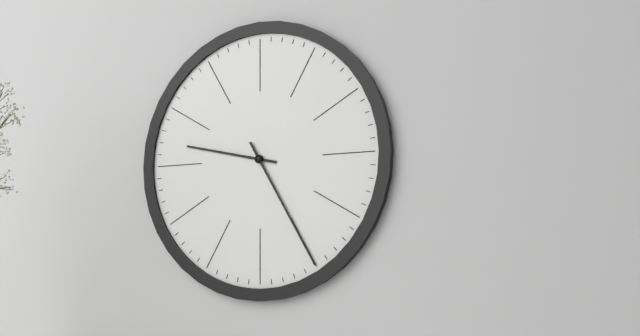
**9:25**
